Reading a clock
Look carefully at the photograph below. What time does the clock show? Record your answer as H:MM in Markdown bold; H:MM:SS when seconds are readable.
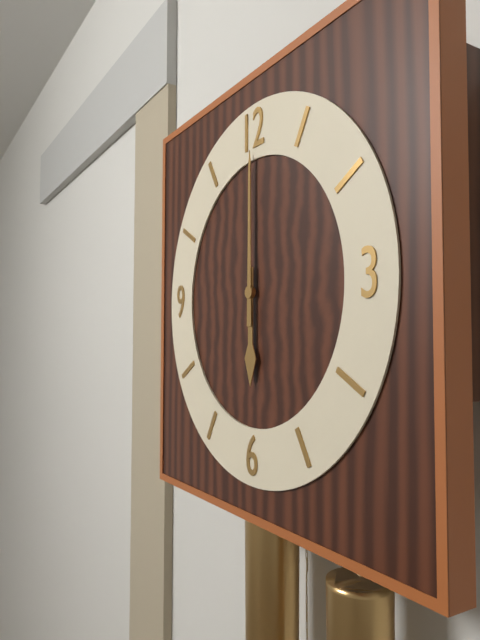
**6:00**
